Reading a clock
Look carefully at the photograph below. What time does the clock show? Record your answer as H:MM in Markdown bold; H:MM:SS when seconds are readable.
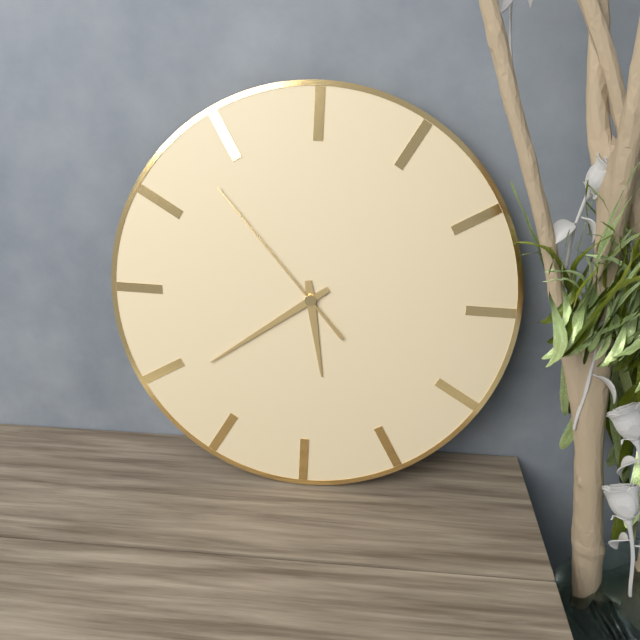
**5:39:53**
